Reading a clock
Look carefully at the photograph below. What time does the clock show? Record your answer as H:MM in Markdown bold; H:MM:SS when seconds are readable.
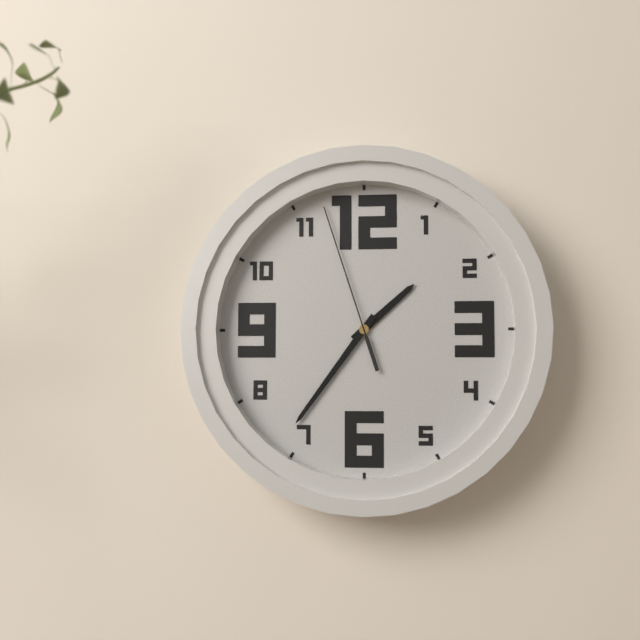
**1:36:57**
